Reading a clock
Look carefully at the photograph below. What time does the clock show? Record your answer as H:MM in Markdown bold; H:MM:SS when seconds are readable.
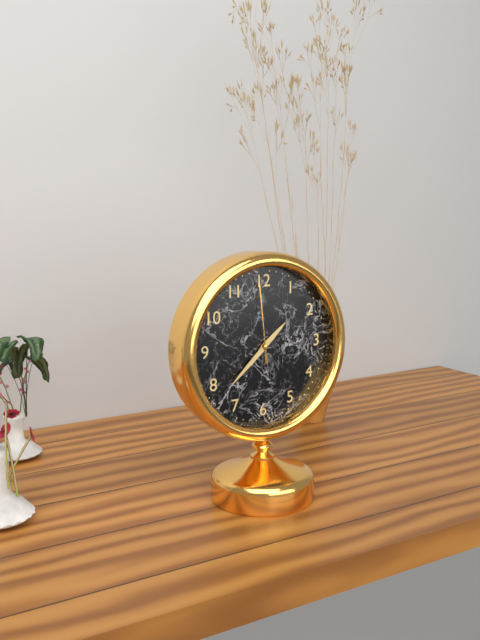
**1:38:59**
